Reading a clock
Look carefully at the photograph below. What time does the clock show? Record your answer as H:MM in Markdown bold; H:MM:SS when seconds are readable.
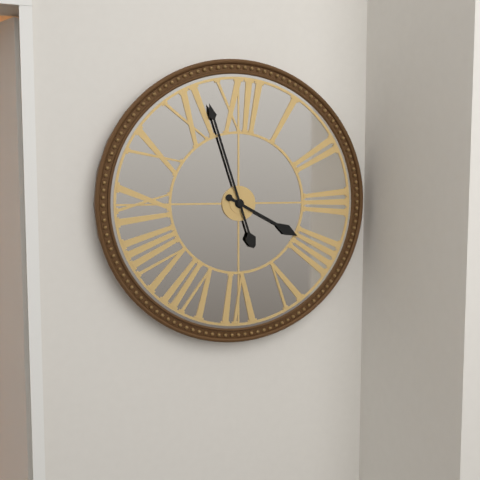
**3:57**
